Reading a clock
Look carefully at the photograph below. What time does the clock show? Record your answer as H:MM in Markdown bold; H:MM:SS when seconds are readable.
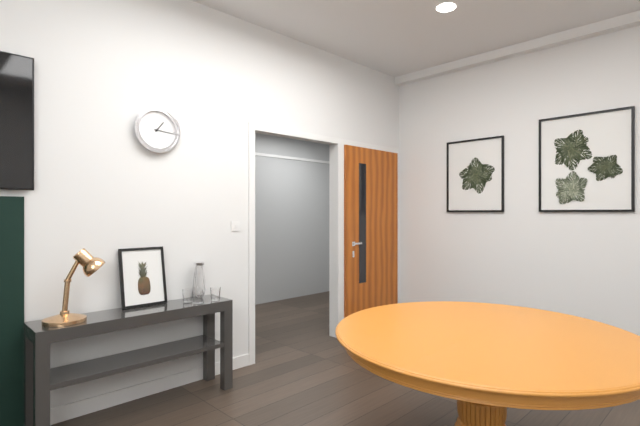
**1:16**
